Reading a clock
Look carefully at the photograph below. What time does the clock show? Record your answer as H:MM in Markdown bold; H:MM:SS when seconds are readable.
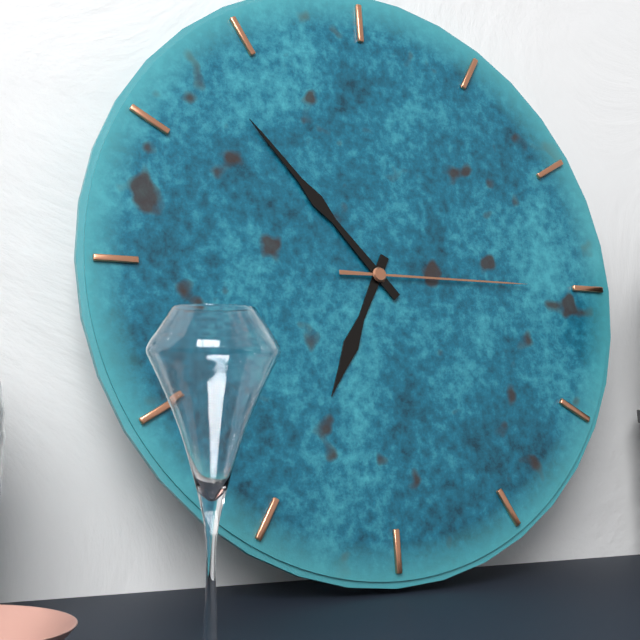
**6:53:15**
